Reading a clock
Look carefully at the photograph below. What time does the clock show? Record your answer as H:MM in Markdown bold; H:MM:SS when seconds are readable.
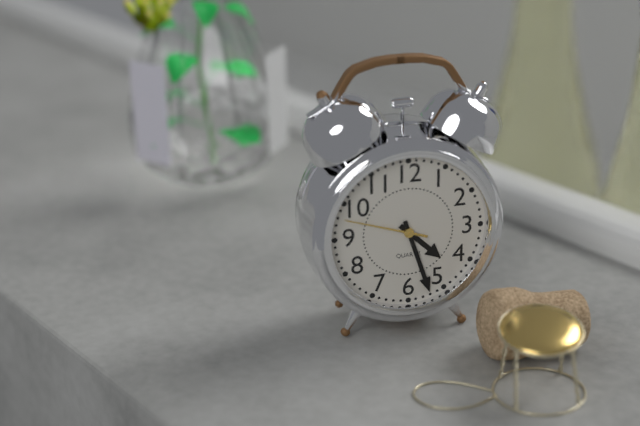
**4:27:48**
